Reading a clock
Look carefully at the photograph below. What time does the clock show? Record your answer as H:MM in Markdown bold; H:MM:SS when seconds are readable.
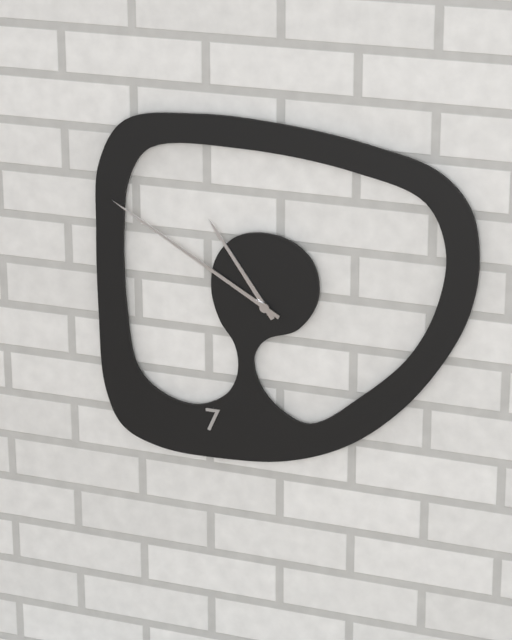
**10:50**
